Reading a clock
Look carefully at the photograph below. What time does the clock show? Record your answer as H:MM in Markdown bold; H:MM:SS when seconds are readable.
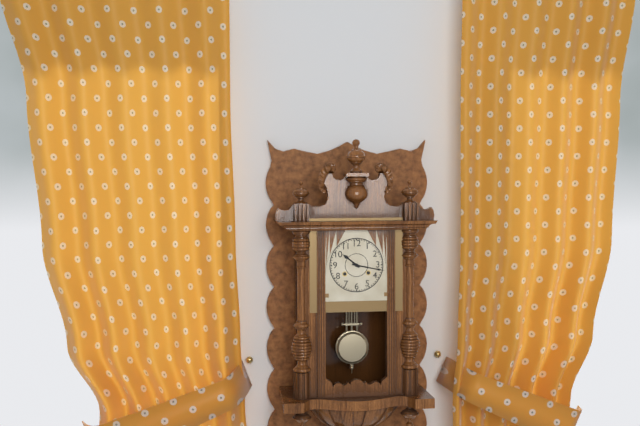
**10:17**
